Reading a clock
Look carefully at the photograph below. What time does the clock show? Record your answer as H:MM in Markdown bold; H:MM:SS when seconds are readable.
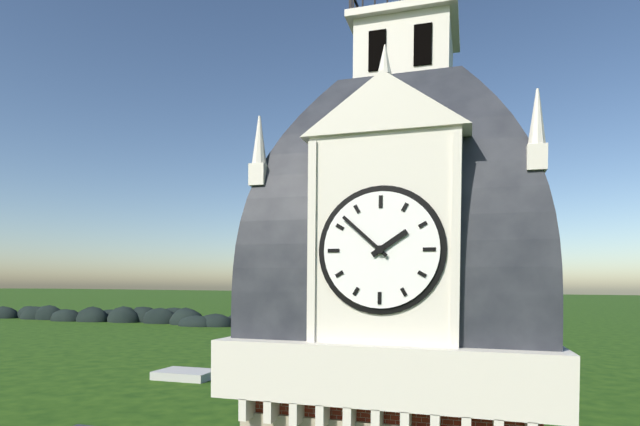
**1:52**
